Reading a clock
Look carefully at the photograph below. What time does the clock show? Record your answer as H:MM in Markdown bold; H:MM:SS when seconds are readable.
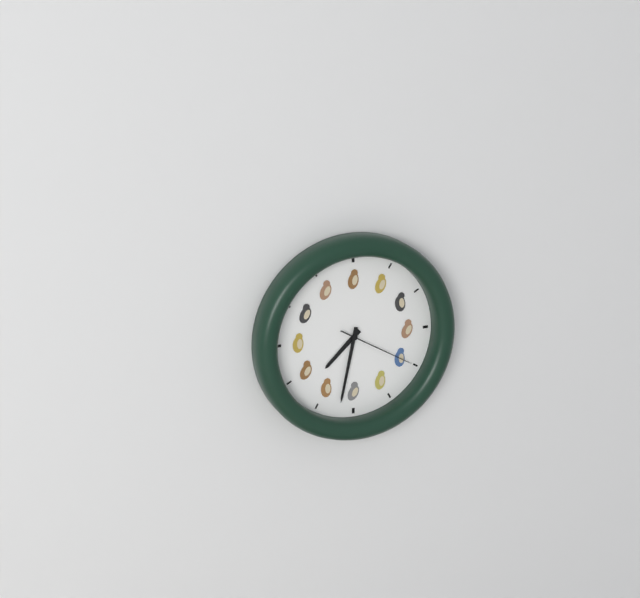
**7:32:20**
